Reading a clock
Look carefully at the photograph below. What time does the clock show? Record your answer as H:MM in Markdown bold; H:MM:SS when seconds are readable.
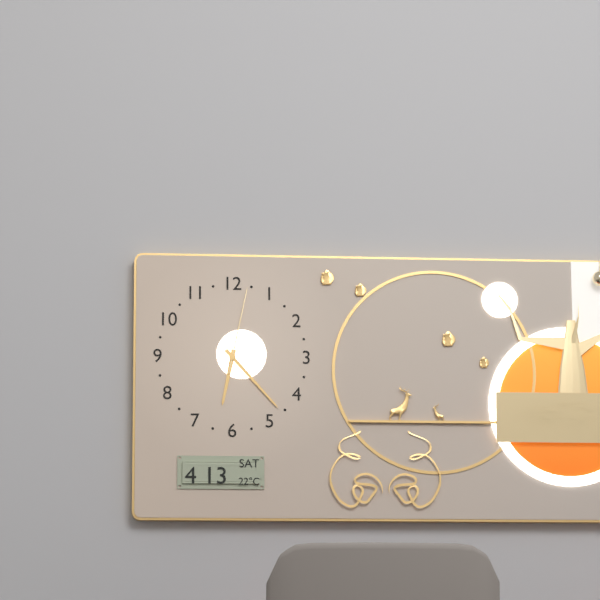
**6:23:02**
